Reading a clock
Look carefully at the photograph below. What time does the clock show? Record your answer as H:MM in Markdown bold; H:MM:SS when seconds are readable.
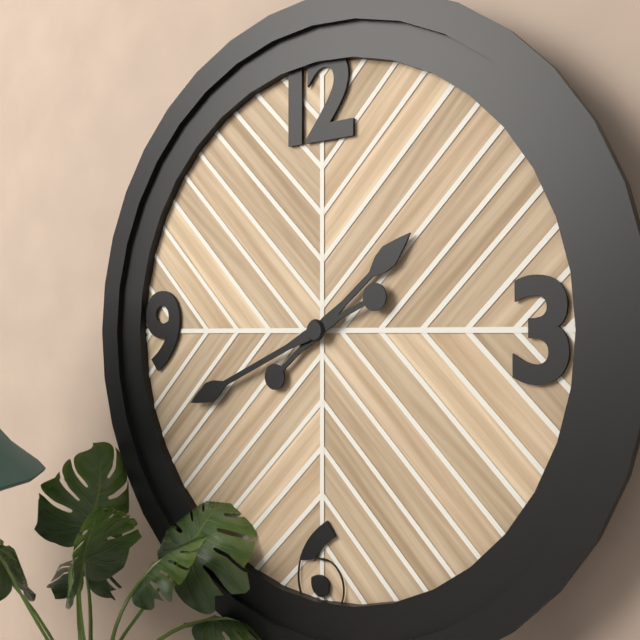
**1:41**
